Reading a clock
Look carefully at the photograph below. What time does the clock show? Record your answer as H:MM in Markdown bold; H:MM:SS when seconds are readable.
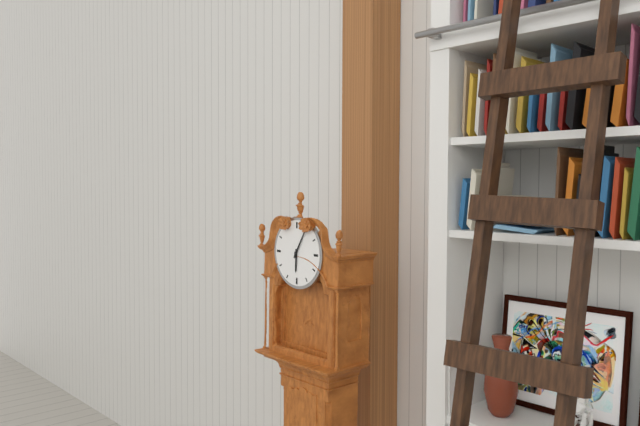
**6:05**
